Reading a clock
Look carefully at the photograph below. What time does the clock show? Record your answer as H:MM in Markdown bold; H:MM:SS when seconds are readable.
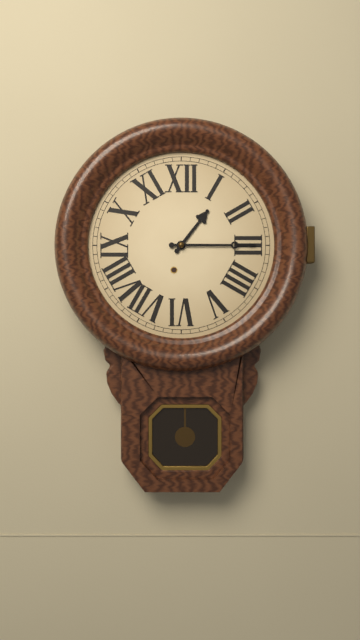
**1:15**
